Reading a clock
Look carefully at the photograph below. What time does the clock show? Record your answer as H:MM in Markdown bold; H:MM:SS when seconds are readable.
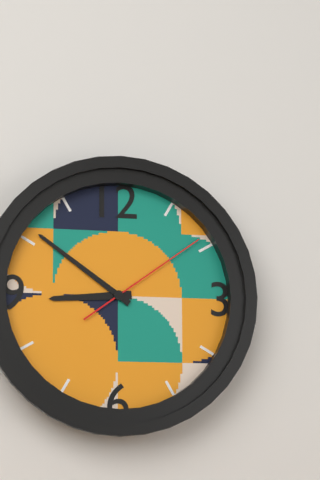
**8:51:09**
